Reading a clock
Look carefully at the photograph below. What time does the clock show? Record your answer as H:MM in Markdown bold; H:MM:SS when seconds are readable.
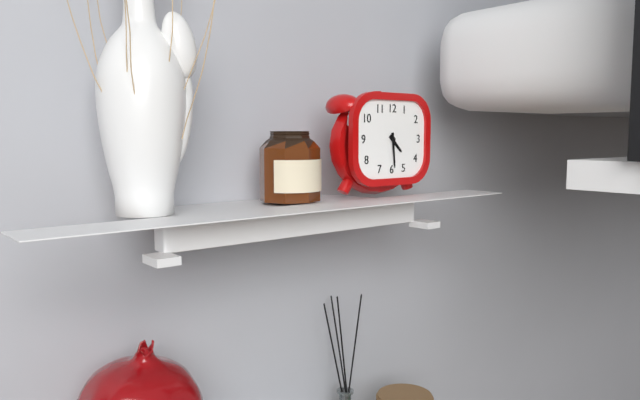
**4:29**
